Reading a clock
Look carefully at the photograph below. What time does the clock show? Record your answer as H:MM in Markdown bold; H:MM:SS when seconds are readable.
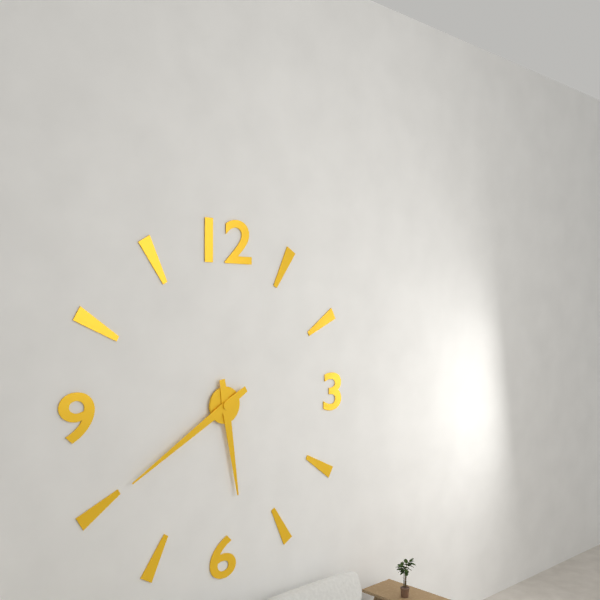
**5:40**
